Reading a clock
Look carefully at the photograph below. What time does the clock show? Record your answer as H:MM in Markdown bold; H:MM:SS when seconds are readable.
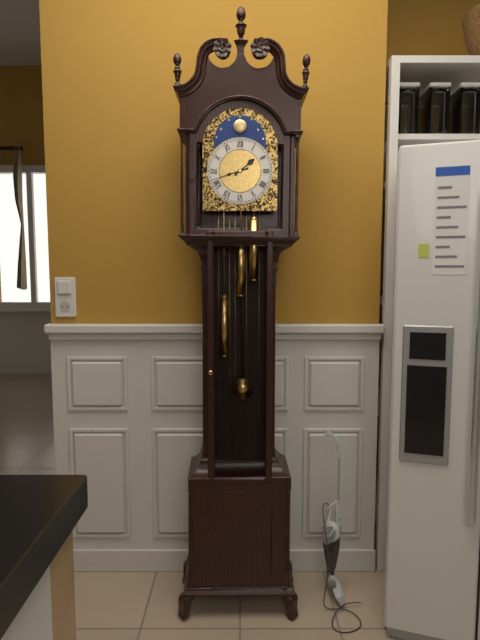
**1:42**
